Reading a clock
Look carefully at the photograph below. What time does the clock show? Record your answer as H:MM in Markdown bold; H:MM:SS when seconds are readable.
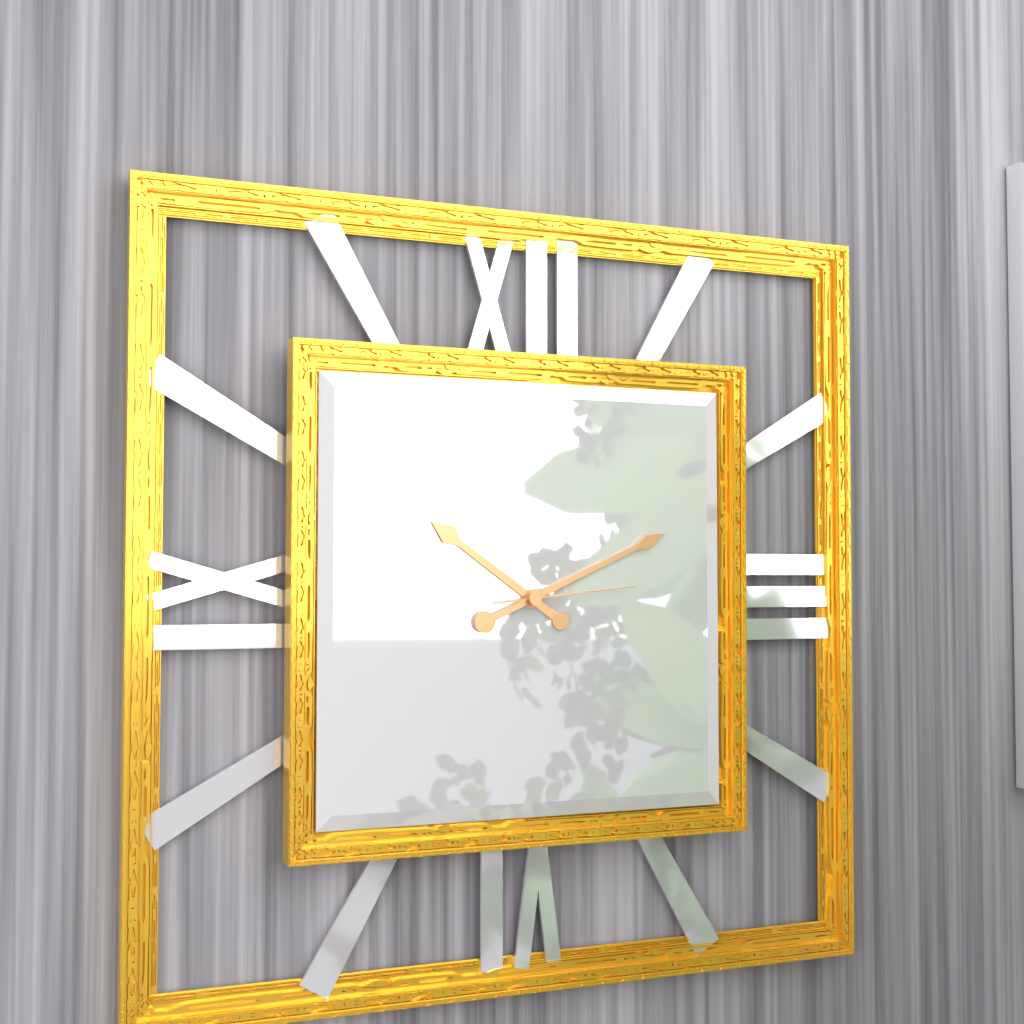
**10:11:14**
